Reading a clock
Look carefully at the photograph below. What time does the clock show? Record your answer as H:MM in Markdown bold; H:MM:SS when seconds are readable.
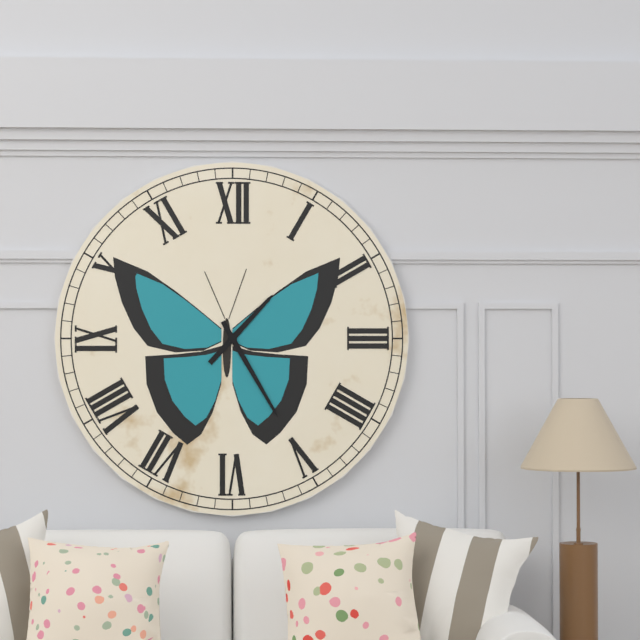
**1:25**
